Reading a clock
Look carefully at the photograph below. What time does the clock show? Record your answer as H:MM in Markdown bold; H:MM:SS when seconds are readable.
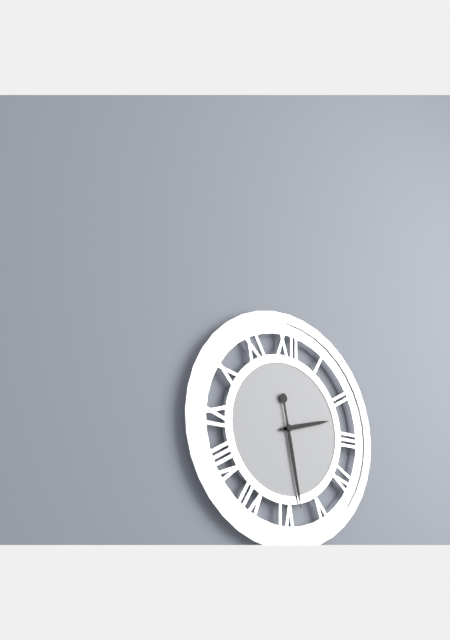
**2:28**
